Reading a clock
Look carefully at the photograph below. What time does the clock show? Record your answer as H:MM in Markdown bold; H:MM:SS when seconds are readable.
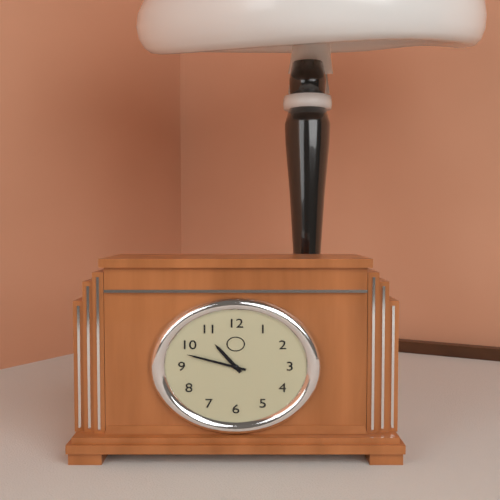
**10:48**
